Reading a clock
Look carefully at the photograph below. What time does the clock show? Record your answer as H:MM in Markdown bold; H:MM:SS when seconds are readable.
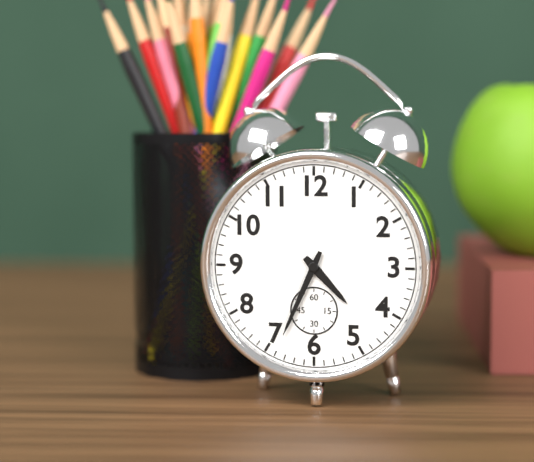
**4:34**
